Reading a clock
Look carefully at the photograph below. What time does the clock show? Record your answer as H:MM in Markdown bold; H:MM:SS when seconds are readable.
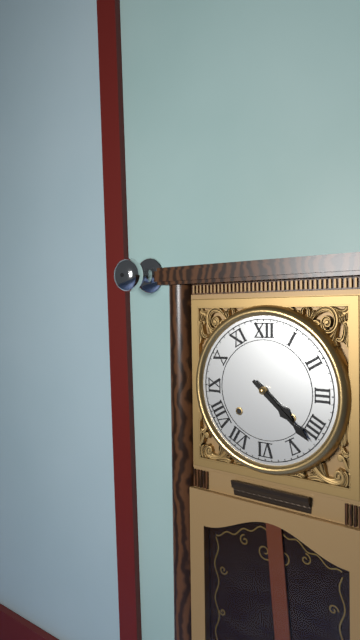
**4:22**
